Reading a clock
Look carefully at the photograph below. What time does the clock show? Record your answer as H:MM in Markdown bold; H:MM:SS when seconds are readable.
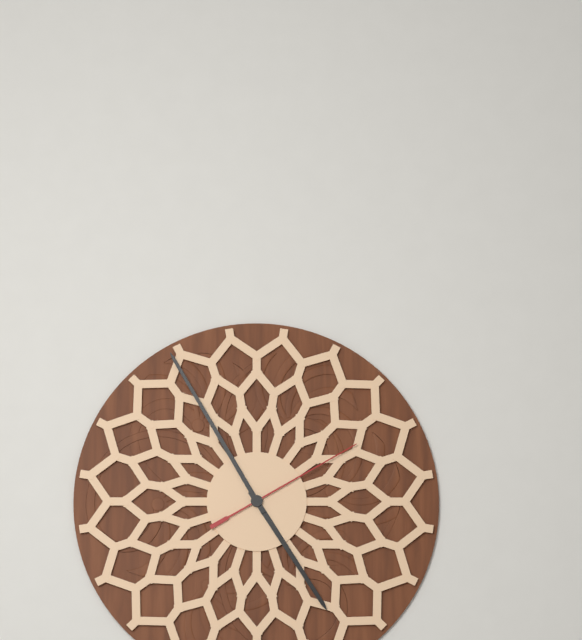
**4:55:10**
